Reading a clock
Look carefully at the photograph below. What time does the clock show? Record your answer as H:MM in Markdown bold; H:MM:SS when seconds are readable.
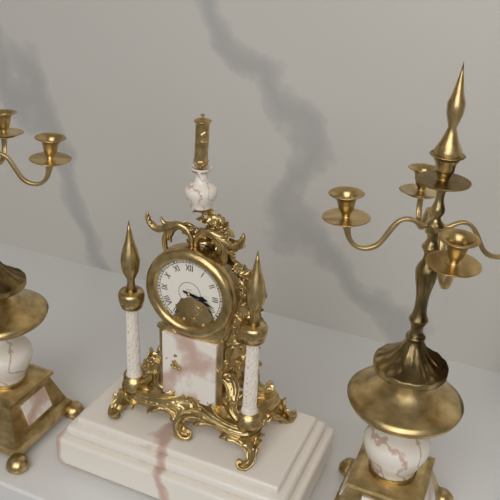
**3:18**
